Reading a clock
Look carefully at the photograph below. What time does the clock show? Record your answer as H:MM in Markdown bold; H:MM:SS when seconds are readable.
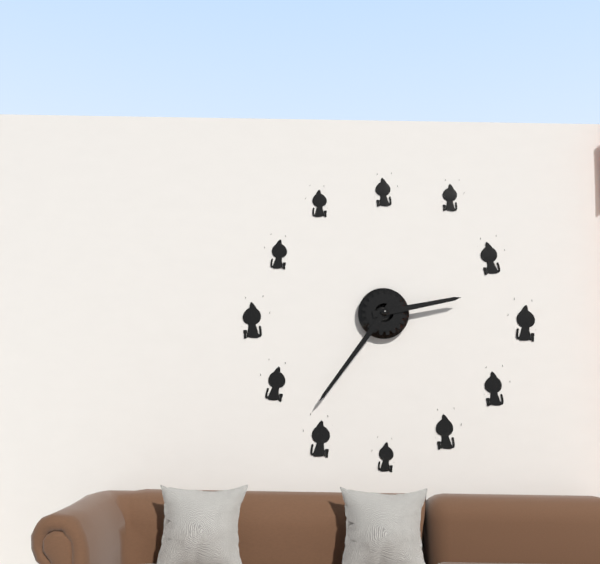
**2:36**
